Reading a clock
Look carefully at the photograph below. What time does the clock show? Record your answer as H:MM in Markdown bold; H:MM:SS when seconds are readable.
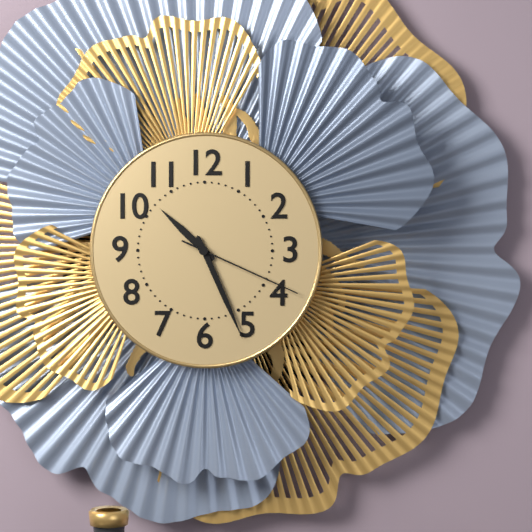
**10:26:19**
